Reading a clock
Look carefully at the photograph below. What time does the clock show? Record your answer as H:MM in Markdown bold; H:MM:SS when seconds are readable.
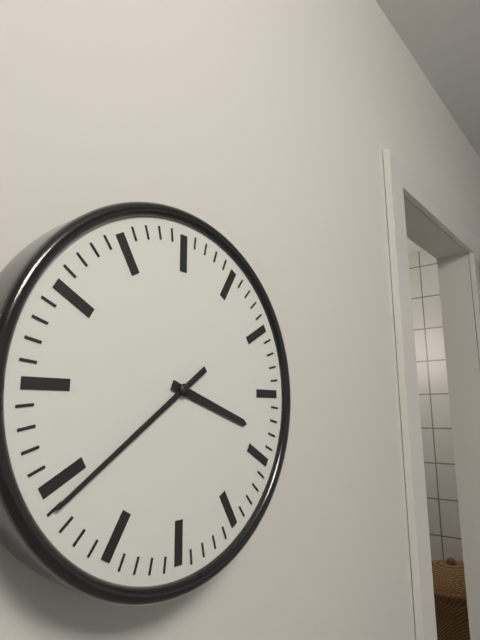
**3:39**
